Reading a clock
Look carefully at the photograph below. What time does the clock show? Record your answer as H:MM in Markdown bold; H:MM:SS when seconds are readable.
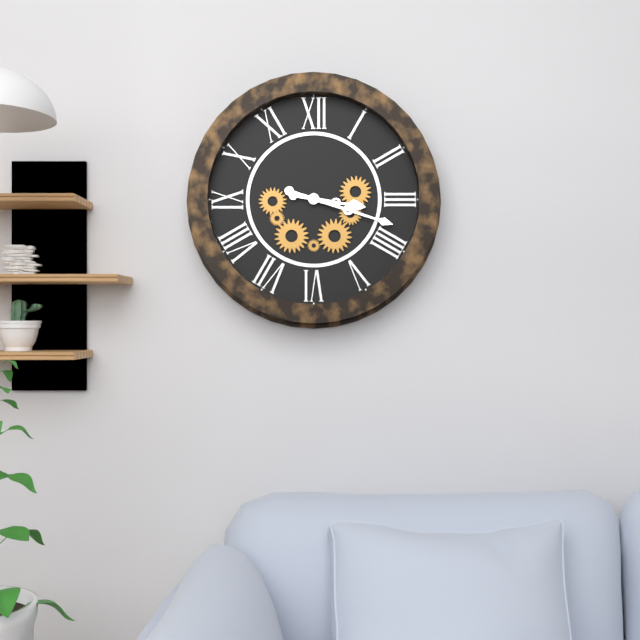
**3:18**
